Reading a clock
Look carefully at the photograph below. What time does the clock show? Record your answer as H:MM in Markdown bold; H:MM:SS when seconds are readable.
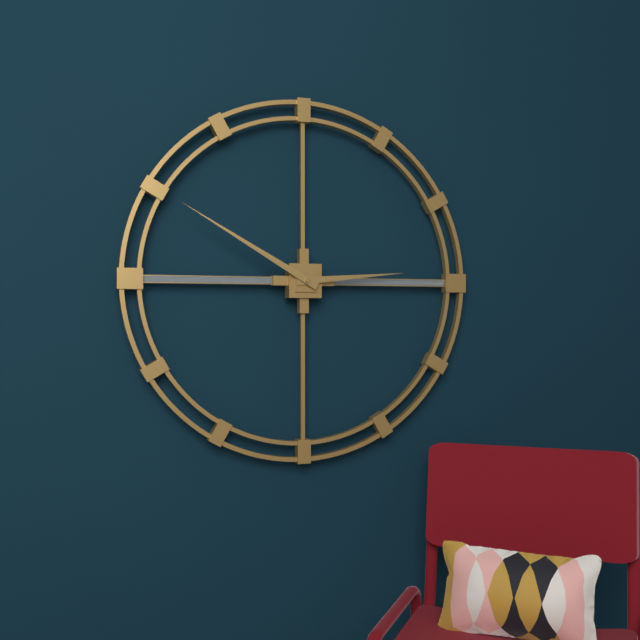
**2:50**
